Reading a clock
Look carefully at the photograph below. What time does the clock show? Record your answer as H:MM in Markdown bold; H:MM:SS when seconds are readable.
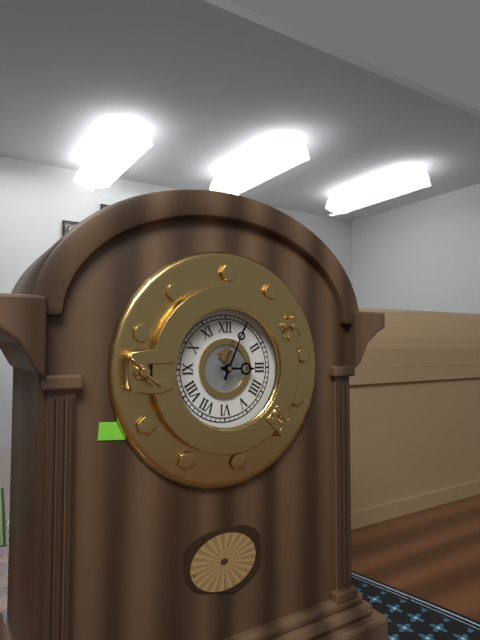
**3:04**
